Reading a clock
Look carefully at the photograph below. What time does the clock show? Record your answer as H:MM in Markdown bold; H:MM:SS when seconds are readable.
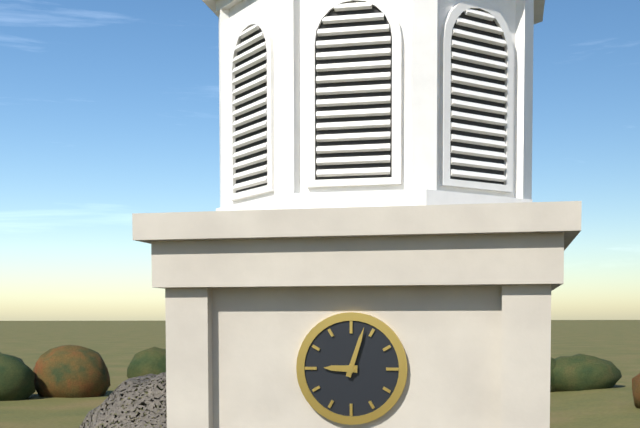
**9:03**
